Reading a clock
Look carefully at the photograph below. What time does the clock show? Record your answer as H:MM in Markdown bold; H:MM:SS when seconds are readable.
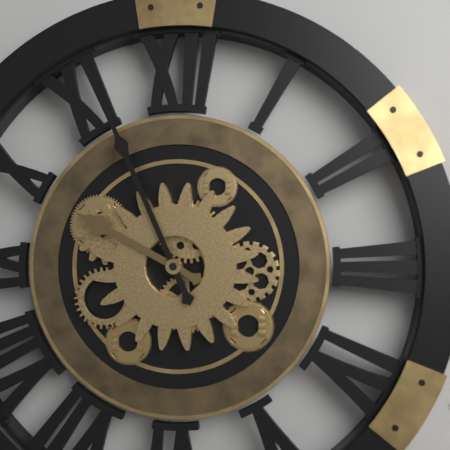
**9:56**
